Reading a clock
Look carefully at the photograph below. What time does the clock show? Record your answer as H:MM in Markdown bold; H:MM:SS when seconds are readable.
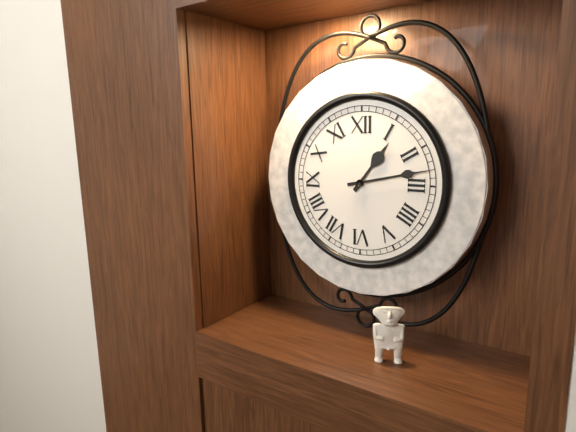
**1:13**
